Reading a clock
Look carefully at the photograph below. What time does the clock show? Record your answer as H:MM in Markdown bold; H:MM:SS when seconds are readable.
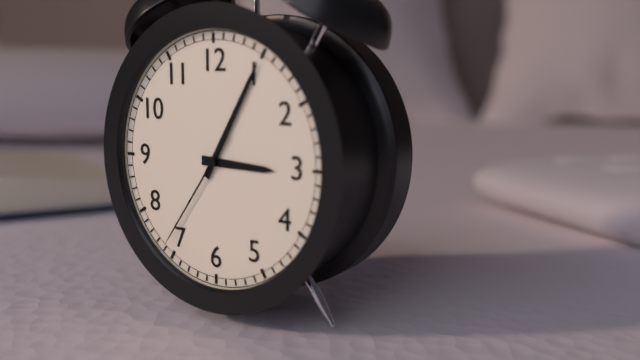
**3:05:36**
